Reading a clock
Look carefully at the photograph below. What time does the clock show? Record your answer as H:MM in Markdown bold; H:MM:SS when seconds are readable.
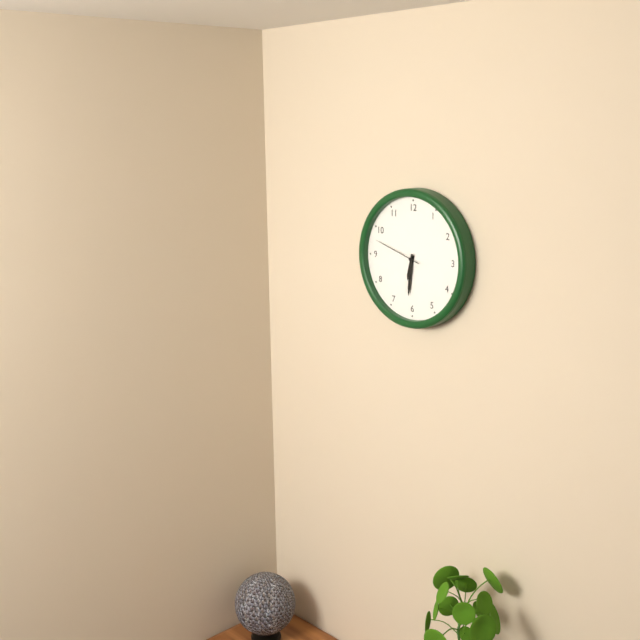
**6:31**
